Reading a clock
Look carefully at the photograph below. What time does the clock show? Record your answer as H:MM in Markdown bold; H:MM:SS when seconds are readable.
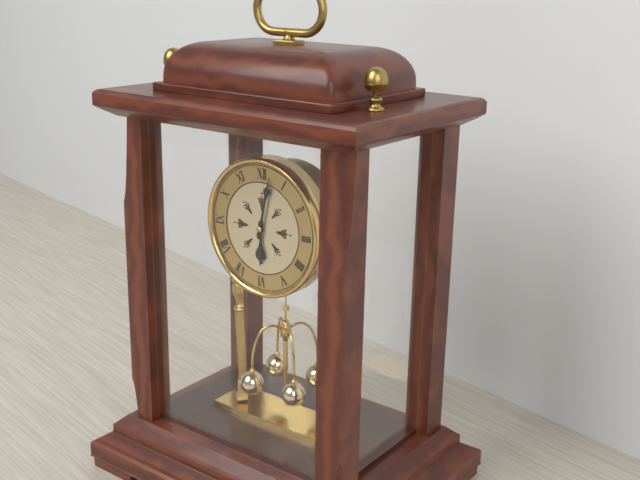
**6:02**
